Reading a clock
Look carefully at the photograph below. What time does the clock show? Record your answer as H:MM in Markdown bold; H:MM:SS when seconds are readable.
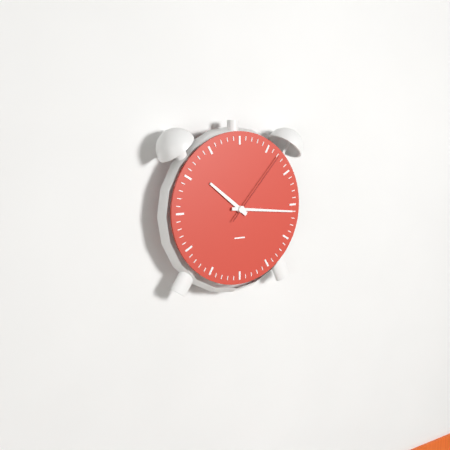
**10:16:07**
